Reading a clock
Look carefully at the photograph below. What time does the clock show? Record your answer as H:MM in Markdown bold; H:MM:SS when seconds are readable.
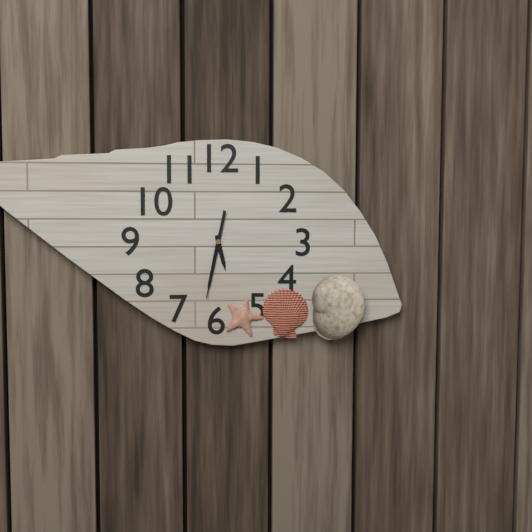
**5:32:32**
